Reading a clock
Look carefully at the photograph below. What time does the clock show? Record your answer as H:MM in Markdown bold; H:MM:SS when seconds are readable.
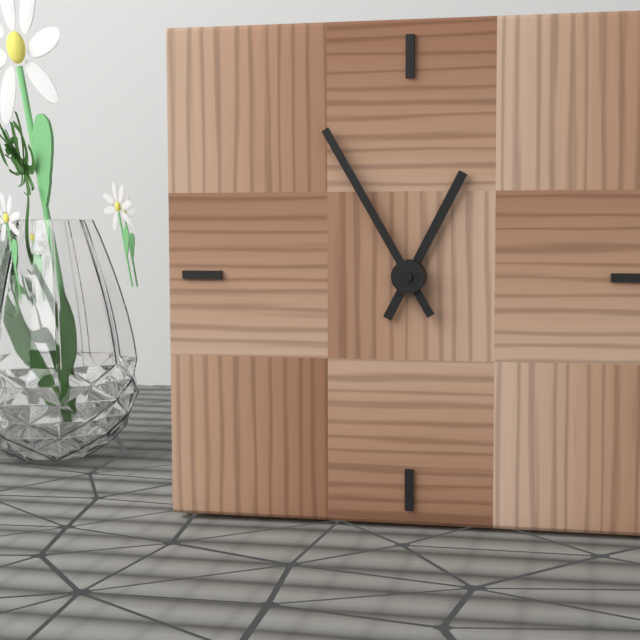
**12:55**
